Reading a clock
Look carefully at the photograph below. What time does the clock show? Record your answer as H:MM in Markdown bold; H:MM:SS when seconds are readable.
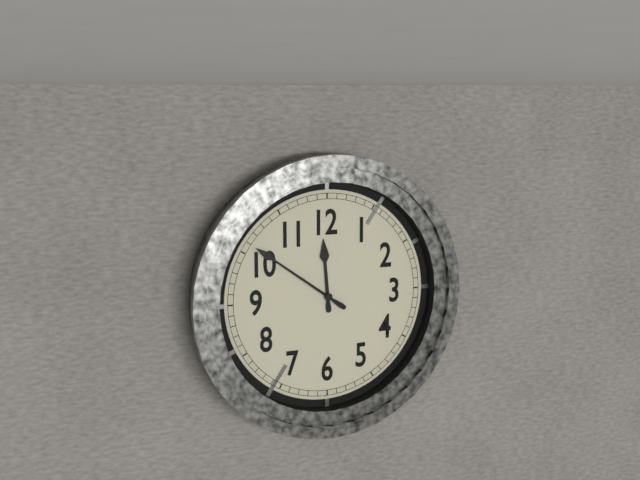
**11:51**
